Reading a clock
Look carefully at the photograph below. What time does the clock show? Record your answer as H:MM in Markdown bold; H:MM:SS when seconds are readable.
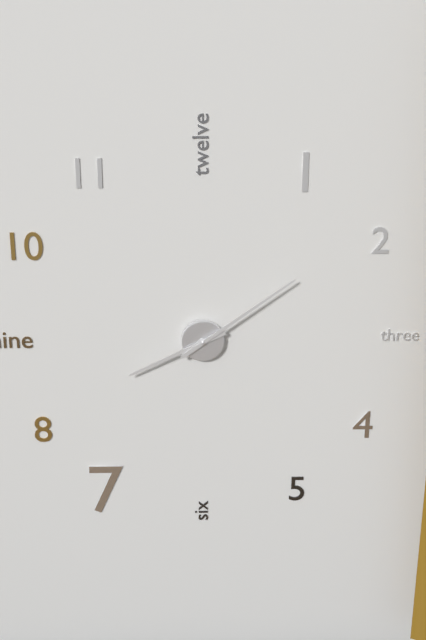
**8:09**
